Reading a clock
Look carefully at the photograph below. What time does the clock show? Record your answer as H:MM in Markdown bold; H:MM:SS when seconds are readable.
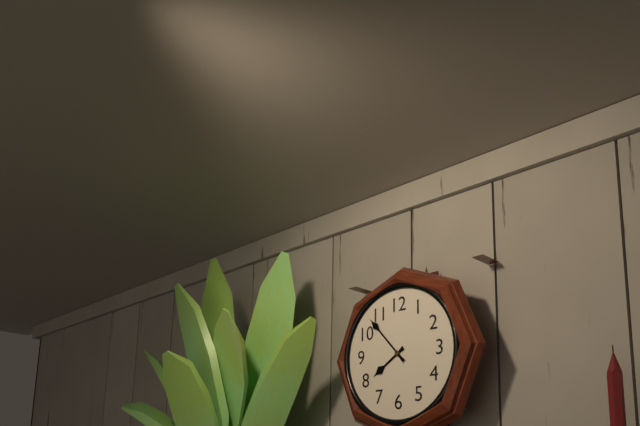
**7:53**
